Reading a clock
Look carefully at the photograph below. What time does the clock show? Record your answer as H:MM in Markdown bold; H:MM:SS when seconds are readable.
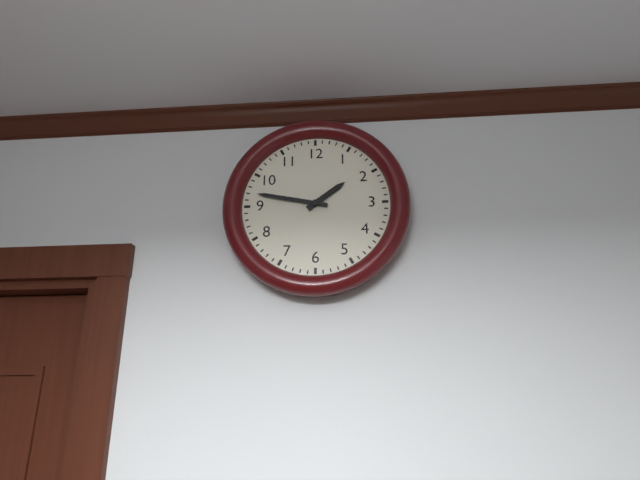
**1:47**
